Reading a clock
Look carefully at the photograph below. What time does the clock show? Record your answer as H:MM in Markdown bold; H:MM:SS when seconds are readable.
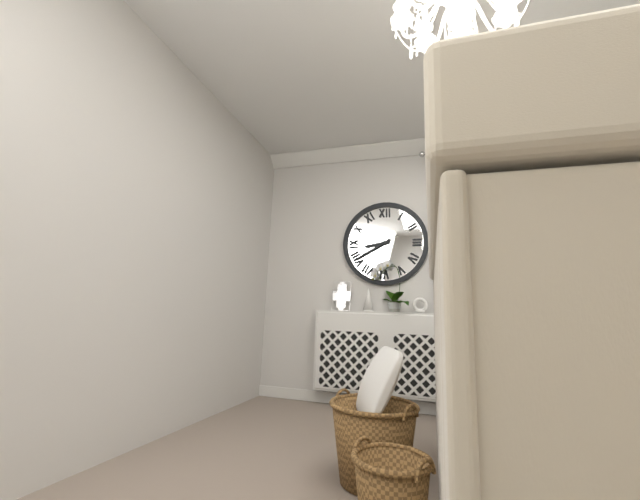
**8:40**
